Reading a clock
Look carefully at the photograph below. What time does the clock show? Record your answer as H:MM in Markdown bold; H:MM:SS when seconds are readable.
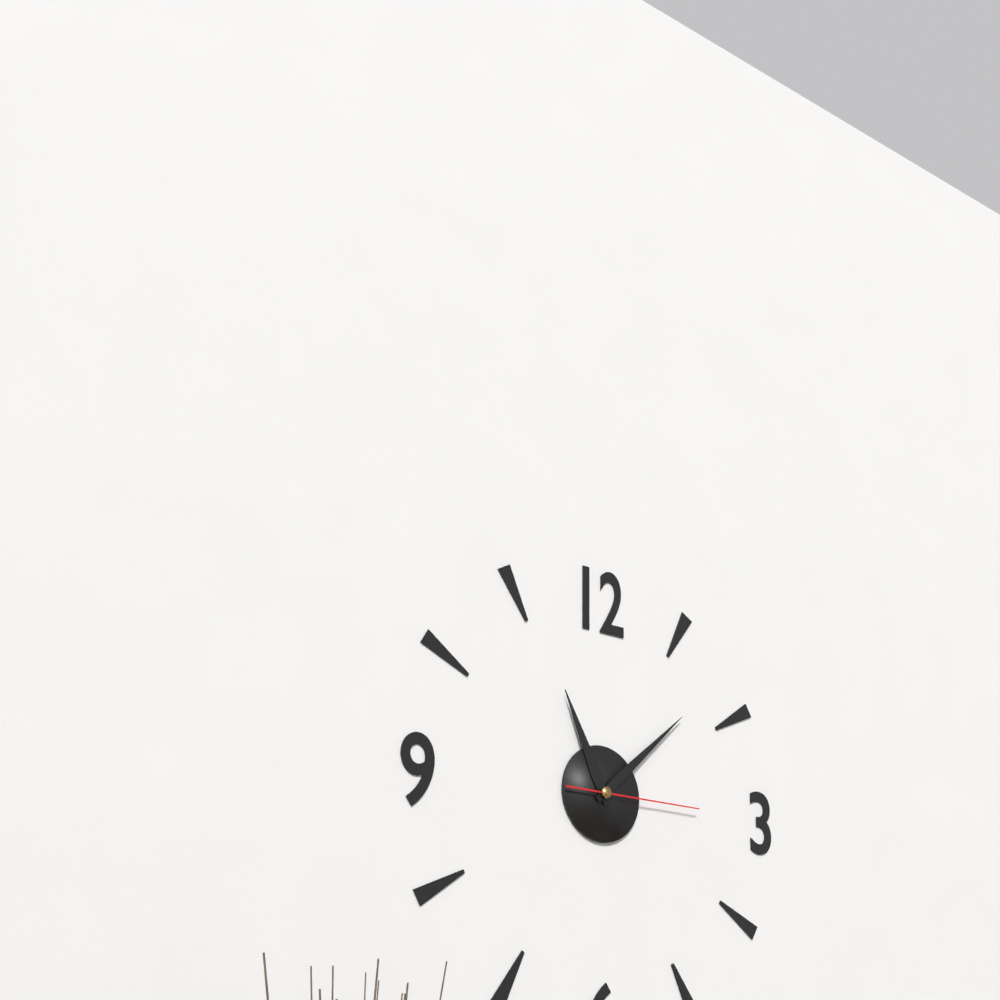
**11:08:15**
